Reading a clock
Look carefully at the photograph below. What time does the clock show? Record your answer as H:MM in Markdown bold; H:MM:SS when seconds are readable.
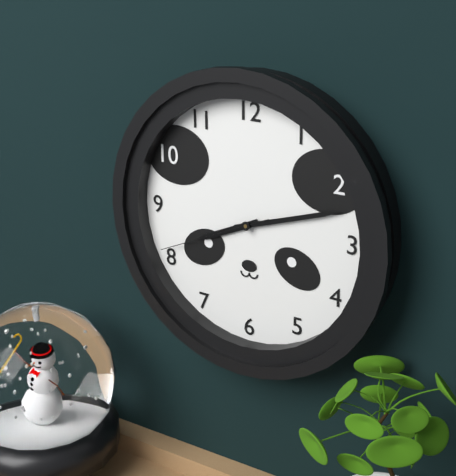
**8:12:41**
